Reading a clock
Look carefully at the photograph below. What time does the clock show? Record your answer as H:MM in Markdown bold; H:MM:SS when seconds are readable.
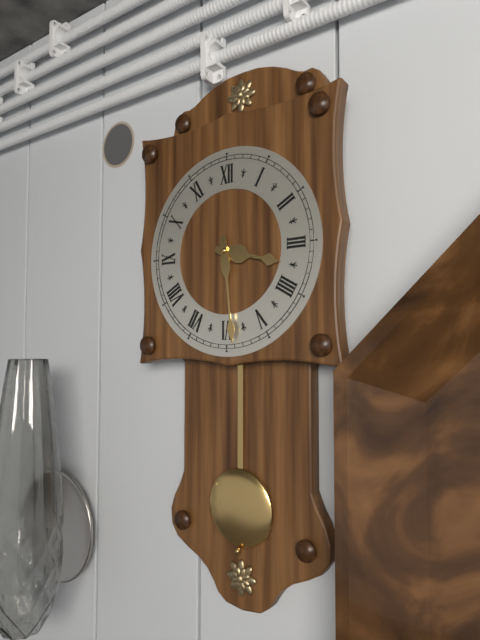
**3:29**
